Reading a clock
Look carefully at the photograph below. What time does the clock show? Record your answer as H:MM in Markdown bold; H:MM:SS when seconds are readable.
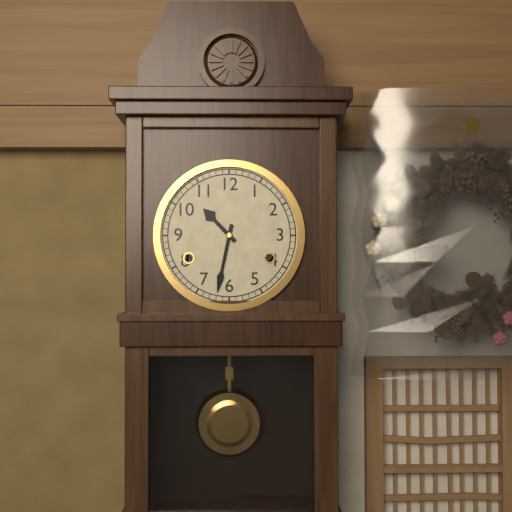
**10:32**
